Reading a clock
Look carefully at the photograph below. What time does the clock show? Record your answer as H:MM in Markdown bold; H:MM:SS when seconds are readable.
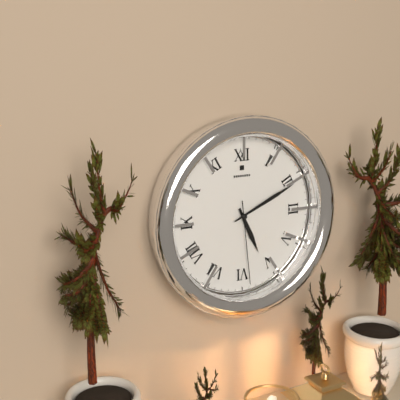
**5:11:29**
